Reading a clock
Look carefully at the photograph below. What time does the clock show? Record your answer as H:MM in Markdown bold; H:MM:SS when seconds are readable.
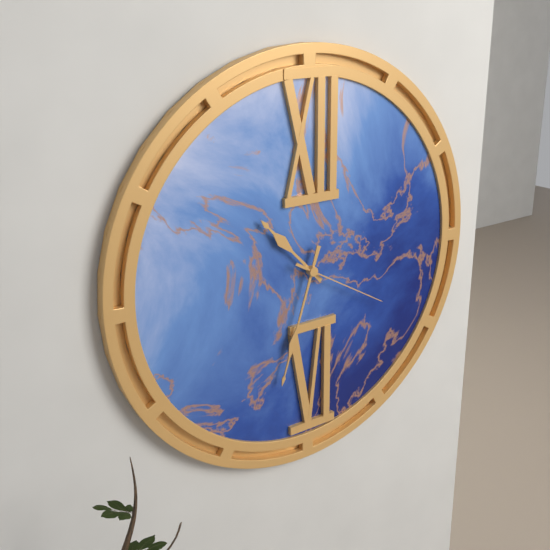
**10:33:20**
